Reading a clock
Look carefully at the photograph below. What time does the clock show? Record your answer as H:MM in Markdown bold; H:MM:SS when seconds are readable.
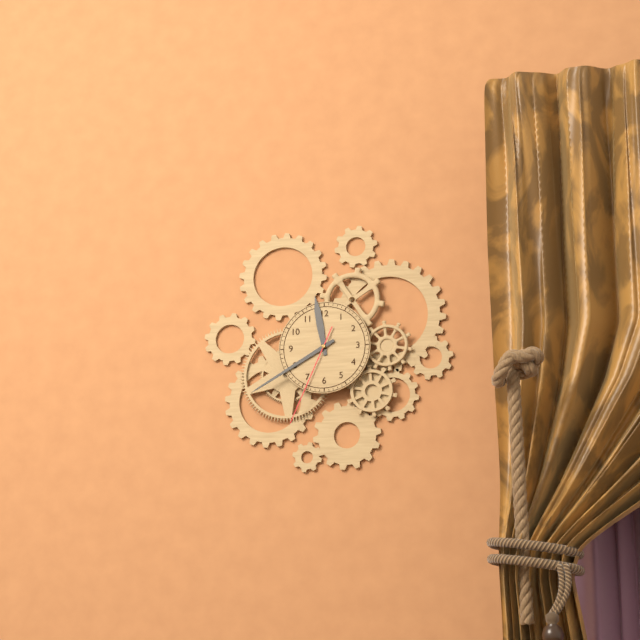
**11:40:34**
